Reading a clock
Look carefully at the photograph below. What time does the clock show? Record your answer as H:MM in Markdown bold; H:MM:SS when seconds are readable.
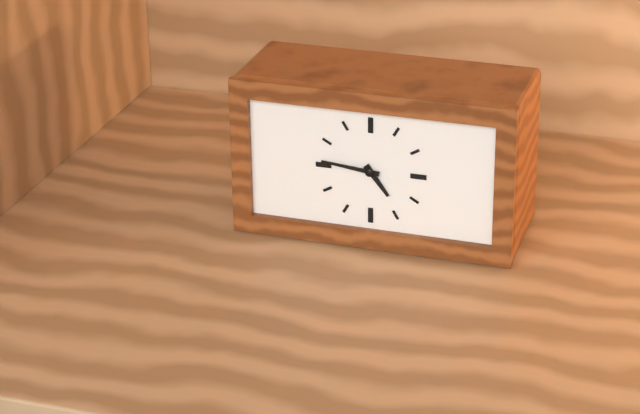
**4:46**
